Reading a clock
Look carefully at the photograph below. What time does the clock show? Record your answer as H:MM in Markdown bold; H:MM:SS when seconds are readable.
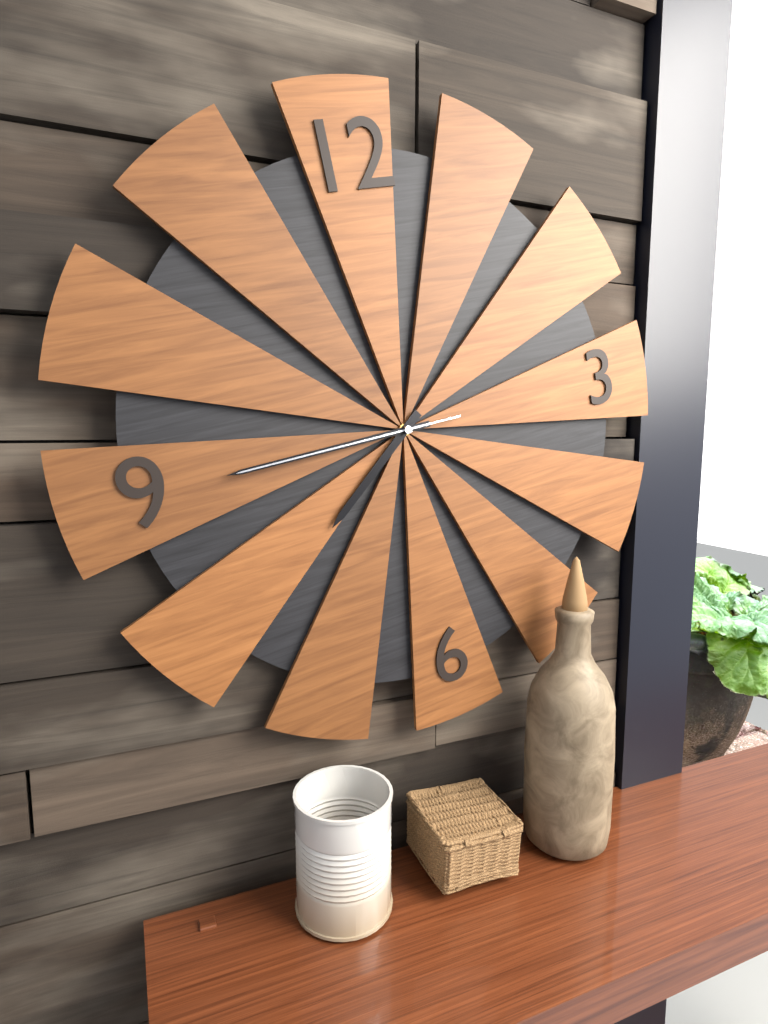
**7:45:45**
